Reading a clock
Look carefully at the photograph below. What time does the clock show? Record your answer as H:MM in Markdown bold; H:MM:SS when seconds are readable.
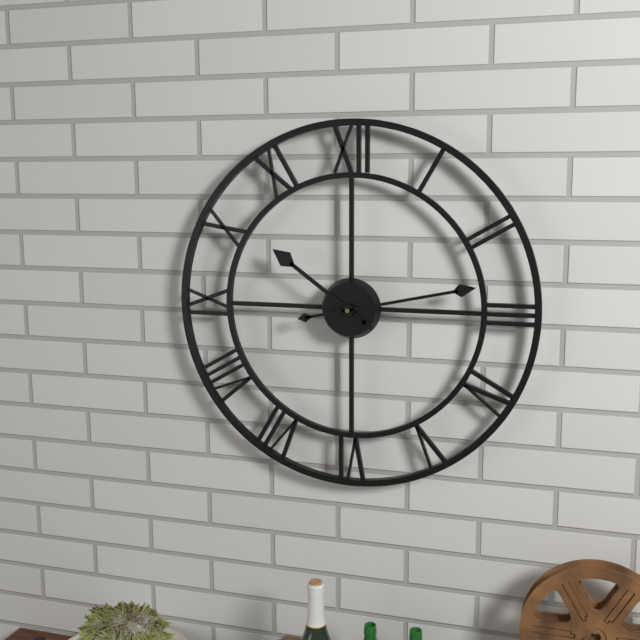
**10:13**
